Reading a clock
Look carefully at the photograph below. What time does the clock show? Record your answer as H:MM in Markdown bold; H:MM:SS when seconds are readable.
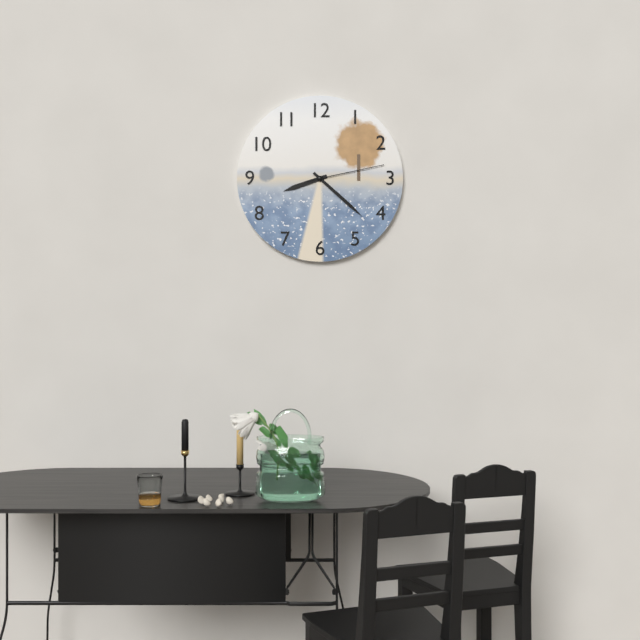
**8:22:13**
